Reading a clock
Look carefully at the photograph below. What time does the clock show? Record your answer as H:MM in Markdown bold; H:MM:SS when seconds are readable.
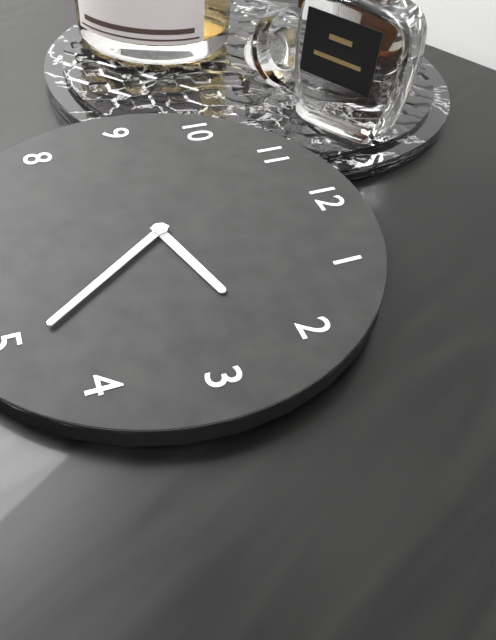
**2:24**
